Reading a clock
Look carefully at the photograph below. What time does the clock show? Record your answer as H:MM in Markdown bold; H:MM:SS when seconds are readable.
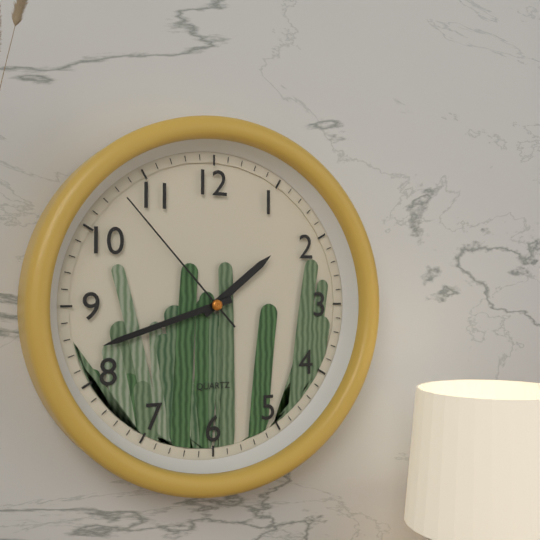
**1:42:53**
